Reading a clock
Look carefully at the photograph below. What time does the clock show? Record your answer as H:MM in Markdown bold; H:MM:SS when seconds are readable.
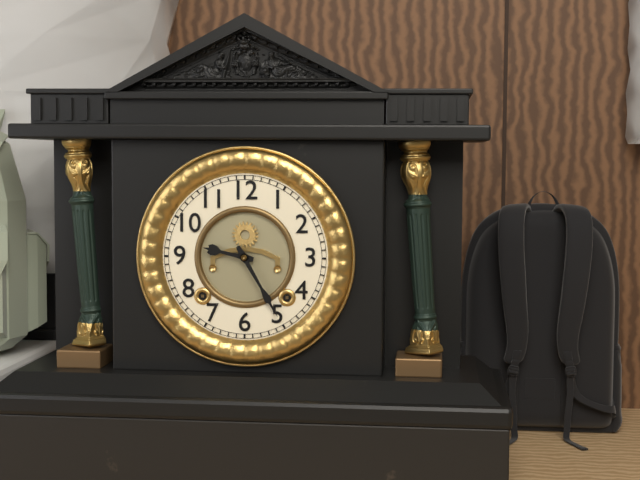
**9:25**
